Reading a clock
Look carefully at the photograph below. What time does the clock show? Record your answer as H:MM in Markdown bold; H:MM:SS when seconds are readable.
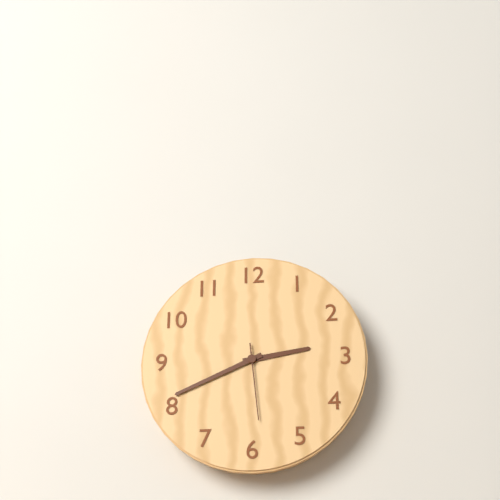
**2:41:29**
